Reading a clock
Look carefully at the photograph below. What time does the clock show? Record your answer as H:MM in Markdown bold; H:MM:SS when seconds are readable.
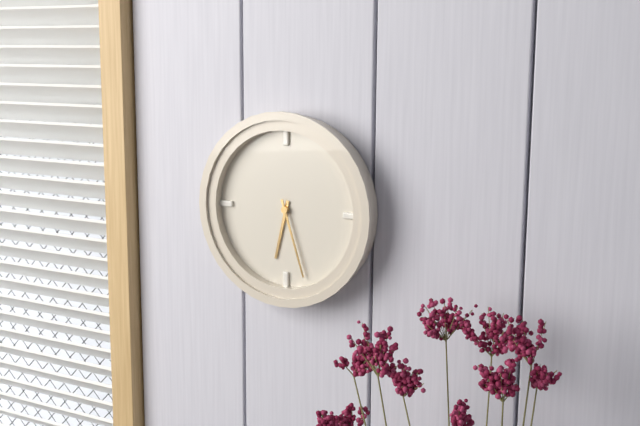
**6:27**
